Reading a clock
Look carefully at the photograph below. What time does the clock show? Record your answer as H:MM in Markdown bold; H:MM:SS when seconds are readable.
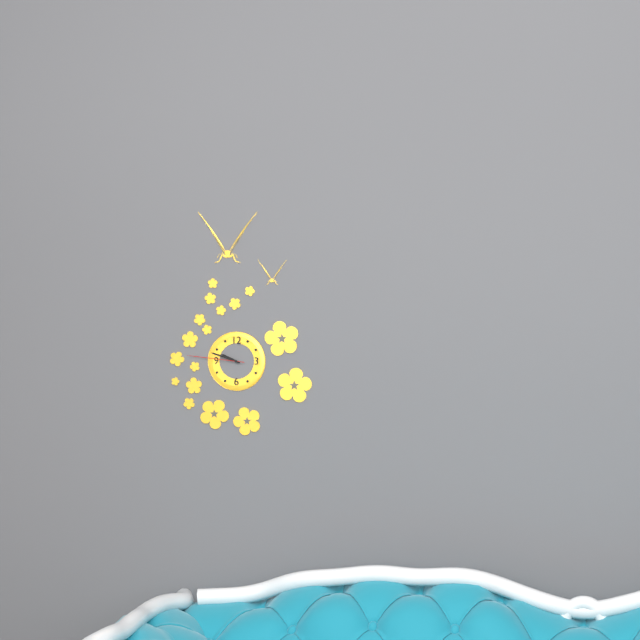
**9:48:46**
